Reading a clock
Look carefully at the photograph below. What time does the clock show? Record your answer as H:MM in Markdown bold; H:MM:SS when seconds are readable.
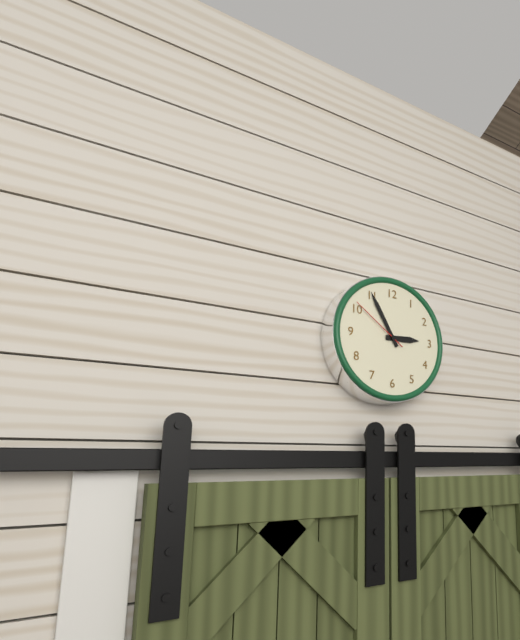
**2:55:51**
